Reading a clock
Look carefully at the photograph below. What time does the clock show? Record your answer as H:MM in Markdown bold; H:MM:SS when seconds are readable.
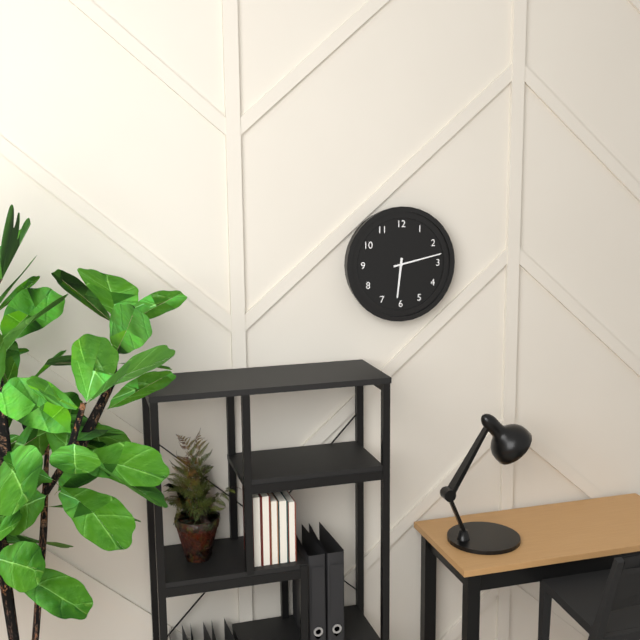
**6:13**
